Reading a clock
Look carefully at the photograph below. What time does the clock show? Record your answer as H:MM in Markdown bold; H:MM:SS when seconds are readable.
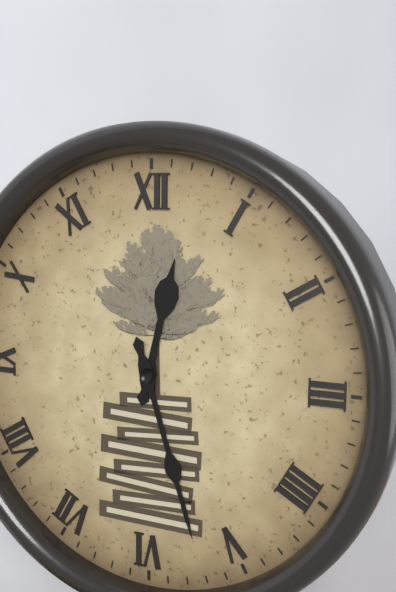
**12:27**
